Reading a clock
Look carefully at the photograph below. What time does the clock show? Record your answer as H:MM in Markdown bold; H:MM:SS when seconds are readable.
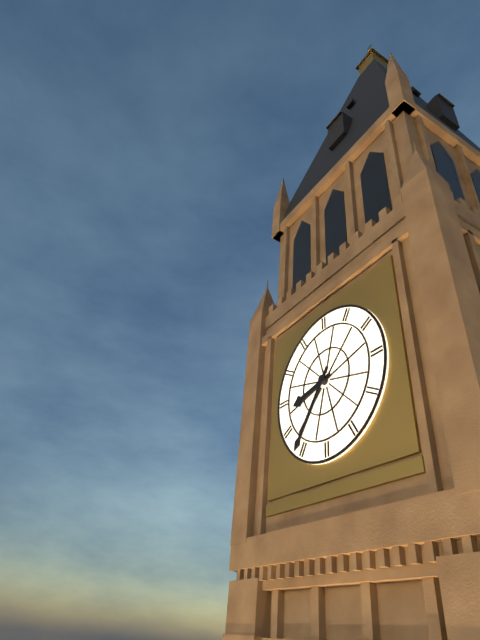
**8:36**
